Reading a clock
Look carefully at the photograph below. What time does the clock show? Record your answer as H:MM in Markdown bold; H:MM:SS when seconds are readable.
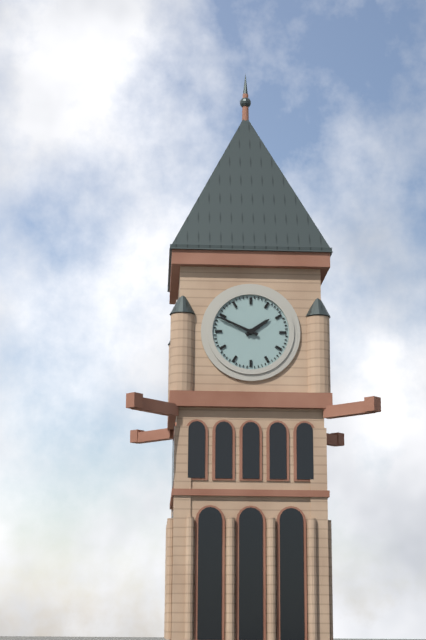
**1:49**
